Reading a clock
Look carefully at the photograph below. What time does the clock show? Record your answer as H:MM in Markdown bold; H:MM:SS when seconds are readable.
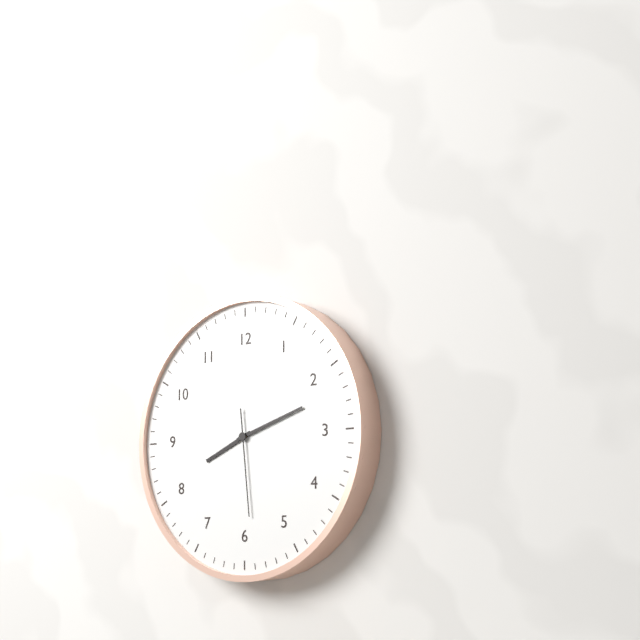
**8:12:29**
